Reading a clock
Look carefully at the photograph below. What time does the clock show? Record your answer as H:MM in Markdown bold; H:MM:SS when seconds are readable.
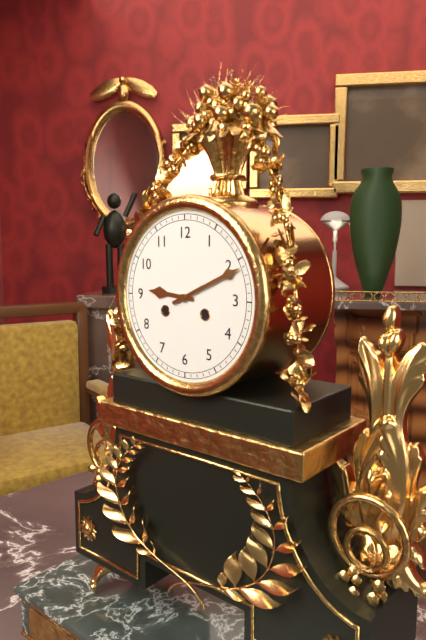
**9:11**
